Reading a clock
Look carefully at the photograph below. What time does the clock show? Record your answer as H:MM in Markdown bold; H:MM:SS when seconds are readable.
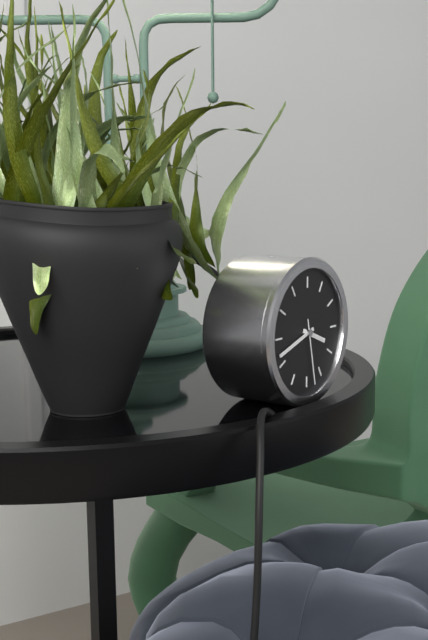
**3:42:28**
